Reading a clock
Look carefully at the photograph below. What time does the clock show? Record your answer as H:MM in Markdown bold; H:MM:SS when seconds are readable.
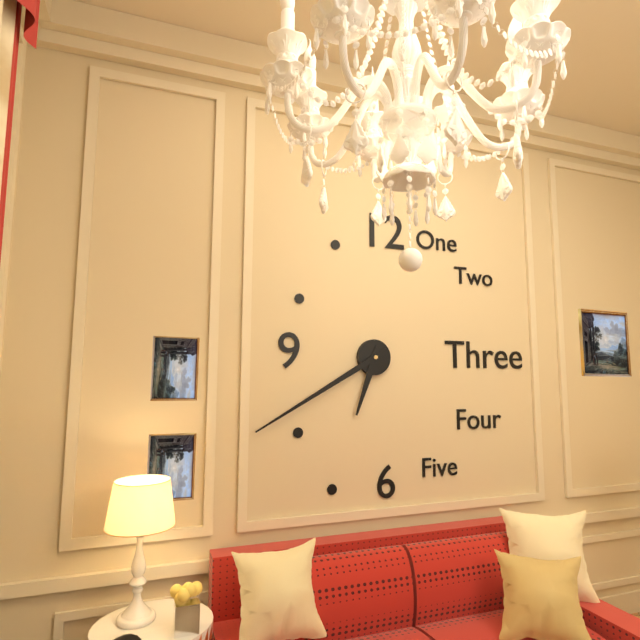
**6:40**
